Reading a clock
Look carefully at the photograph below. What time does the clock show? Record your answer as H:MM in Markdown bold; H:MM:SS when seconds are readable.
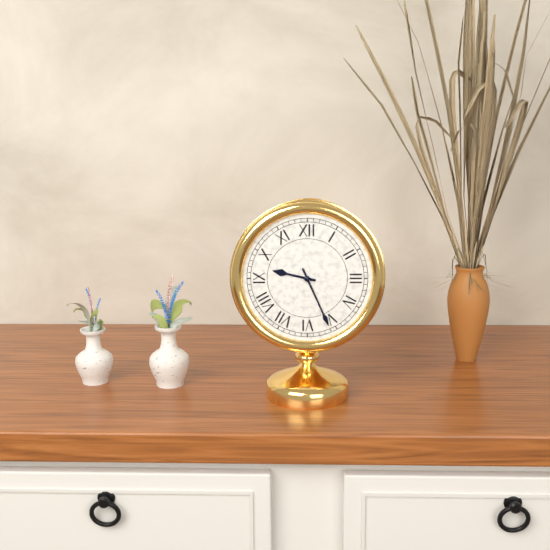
**9:26**
